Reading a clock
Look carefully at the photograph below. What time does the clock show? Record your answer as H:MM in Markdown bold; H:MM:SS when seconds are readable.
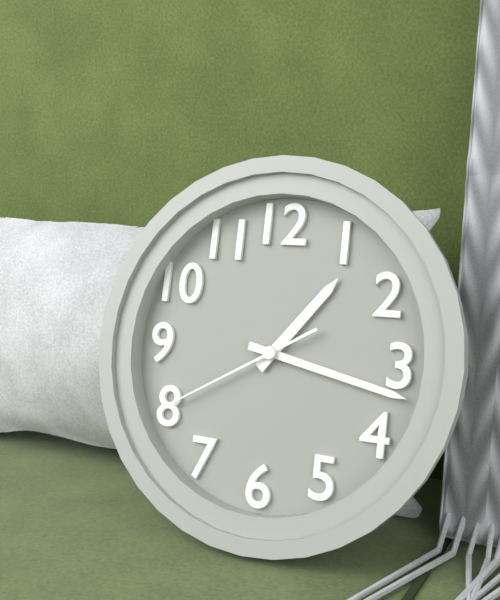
**1:17:40**
